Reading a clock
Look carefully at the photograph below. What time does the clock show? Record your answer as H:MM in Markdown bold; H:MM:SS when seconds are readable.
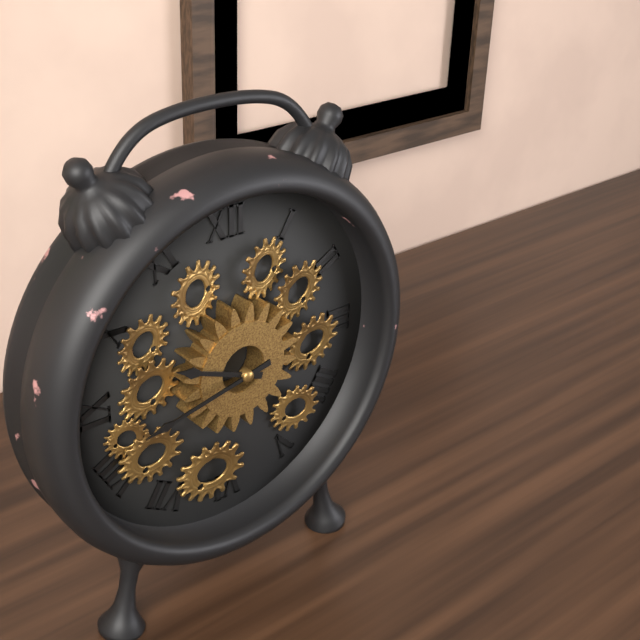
**9:43**
